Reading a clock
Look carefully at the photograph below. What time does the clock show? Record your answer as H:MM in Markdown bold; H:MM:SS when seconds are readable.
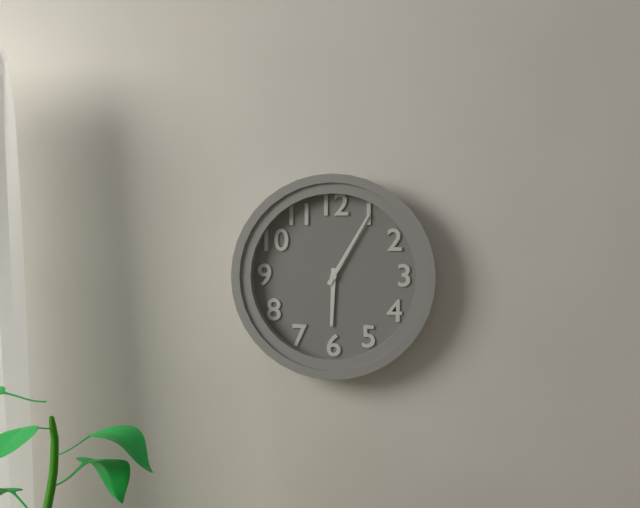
**6:05**
